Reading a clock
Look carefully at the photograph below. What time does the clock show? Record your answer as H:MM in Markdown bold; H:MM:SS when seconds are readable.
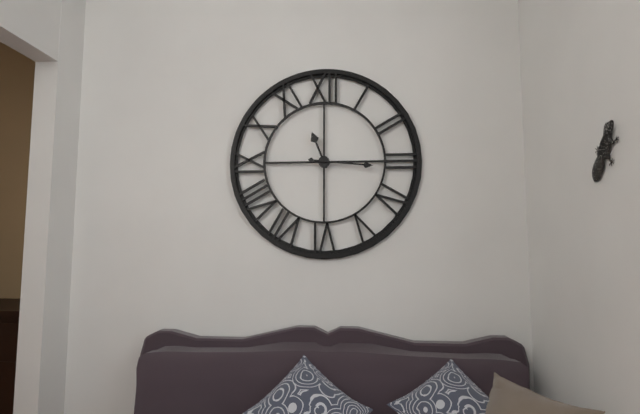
**11:16**
